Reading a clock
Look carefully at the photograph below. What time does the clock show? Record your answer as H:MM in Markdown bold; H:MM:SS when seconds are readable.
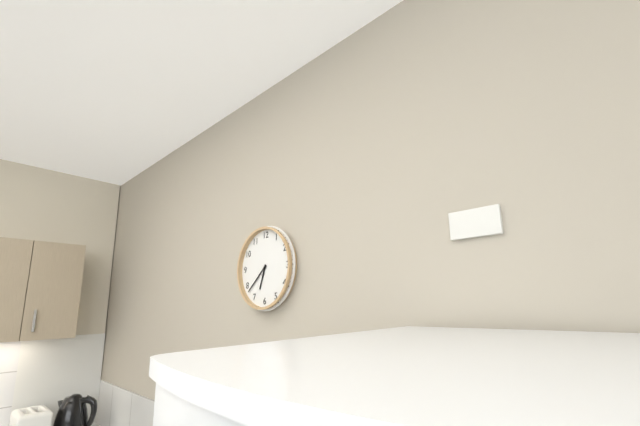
**6:38**
